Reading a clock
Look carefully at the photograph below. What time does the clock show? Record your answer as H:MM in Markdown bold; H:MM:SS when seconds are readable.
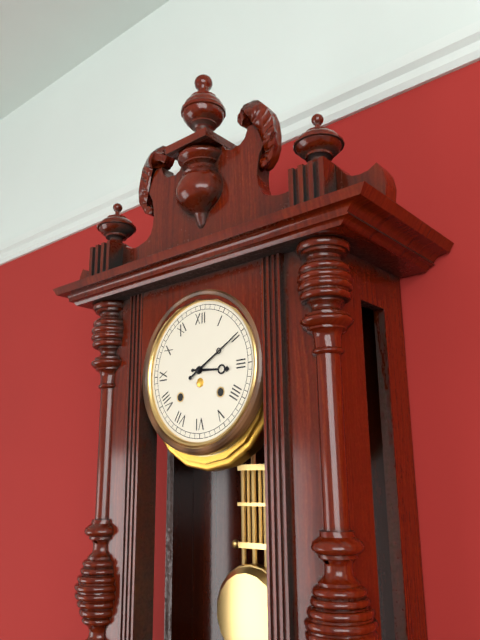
**3:10**
